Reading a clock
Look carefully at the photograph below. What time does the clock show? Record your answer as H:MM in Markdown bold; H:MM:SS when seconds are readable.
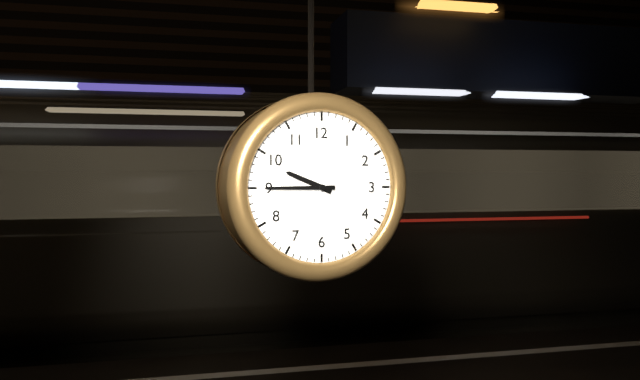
**9:45**
